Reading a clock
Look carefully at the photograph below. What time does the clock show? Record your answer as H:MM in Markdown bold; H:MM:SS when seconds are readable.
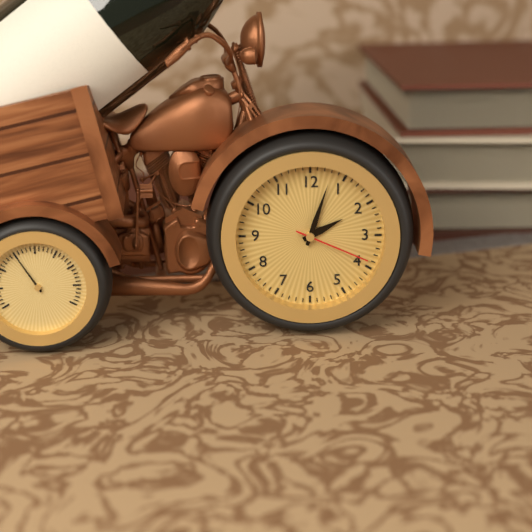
**2:03:19**
